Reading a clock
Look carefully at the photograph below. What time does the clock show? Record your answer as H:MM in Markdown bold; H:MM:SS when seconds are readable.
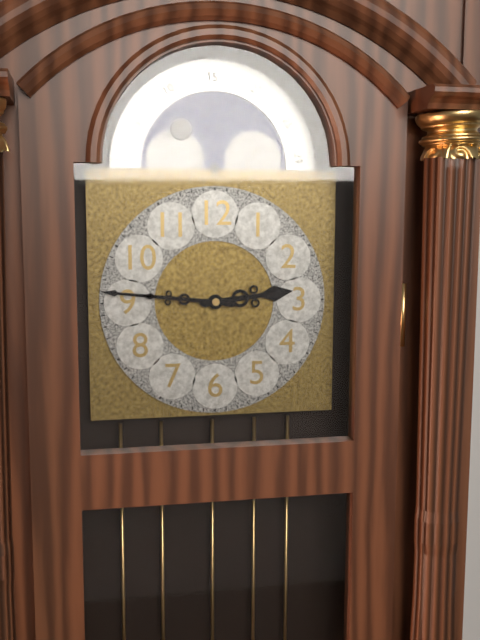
**2:46**
